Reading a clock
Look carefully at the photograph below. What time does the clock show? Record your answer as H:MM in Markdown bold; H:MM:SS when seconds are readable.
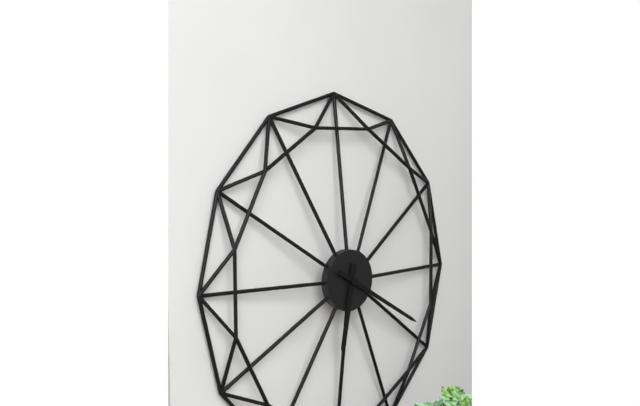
**6:20**
